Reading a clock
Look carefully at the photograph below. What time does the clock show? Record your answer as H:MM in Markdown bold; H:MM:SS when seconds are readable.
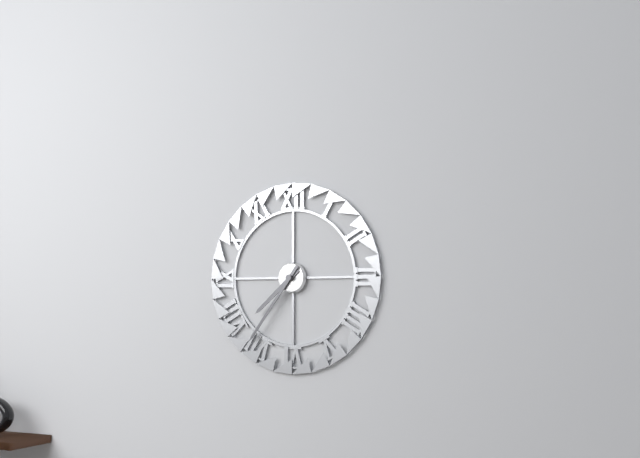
**7:36**
